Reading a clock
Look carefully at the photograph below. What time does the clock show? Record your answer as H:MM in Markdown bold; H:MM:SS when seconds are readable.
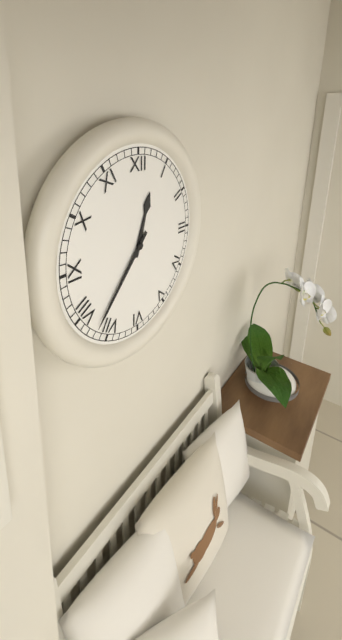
**12:37**
